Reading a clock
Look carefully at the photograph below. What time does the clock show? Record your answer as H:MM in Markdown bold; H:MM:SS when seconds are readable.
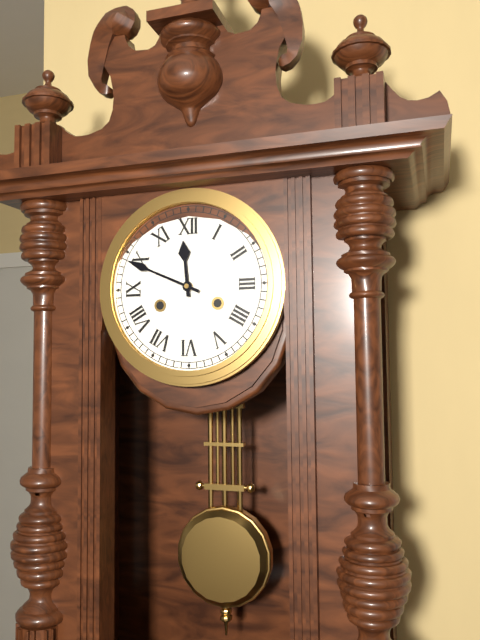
**11:49**
